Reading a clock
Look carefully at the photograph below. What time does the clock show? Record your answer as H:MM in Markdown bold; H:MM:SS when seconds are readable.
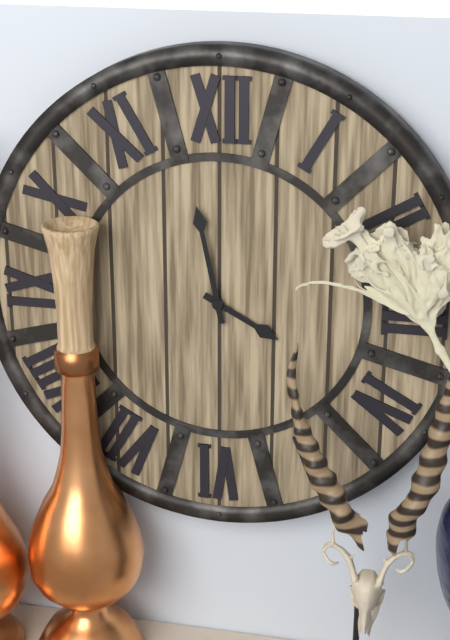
**3:58**
